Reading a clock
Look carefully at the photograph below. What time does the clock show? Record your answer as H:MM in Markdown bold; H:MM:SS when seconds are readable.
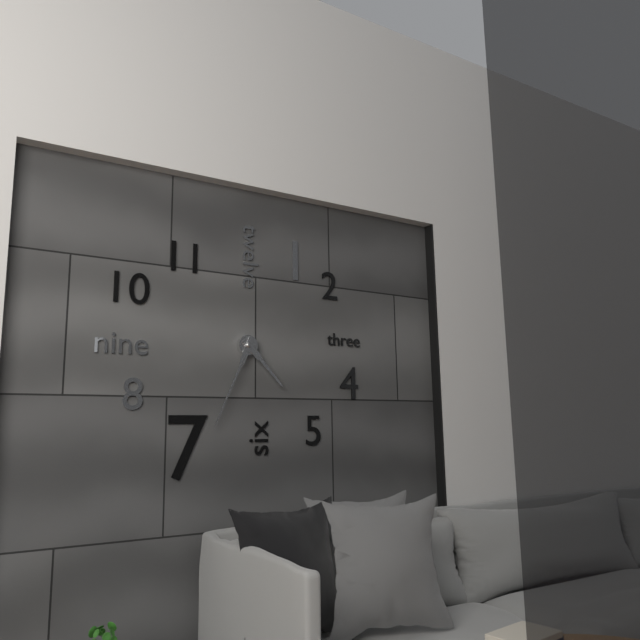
**4:34**
